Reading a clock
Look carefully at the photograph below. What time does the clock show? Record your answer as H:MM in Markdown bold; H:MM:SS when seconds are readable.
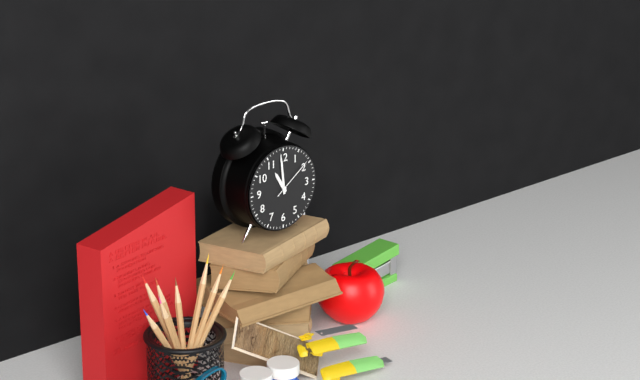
**10:59**
